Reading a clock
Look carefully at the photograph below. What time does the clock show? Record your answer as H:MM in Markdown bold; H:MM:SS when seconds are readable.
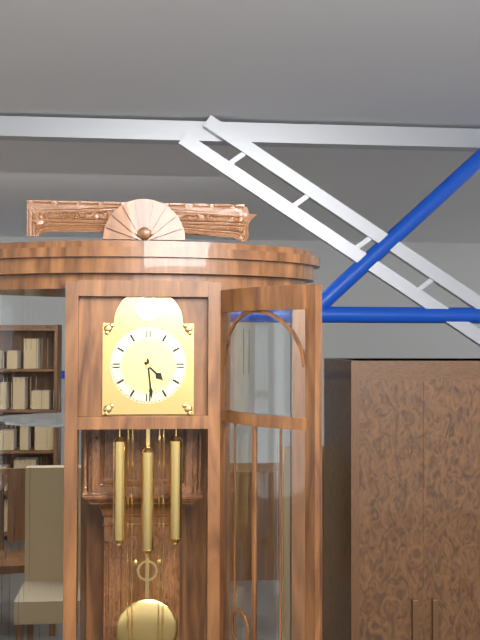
**4:29**
